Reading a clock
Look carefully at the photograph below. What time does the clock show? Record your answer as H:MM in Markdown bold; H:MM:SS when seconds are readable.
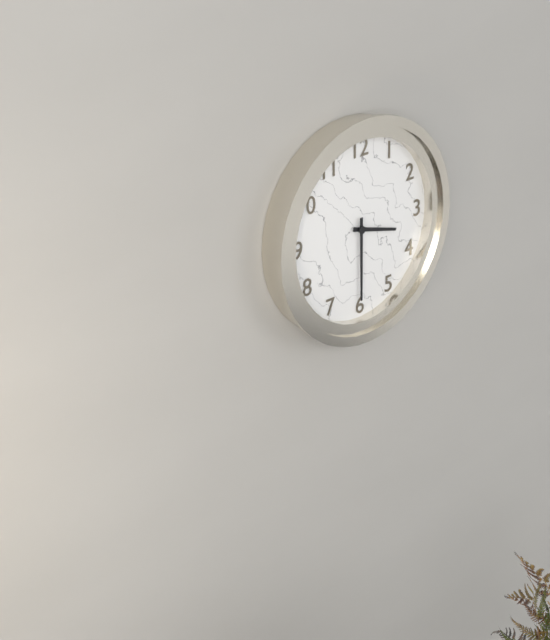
**3:30**
